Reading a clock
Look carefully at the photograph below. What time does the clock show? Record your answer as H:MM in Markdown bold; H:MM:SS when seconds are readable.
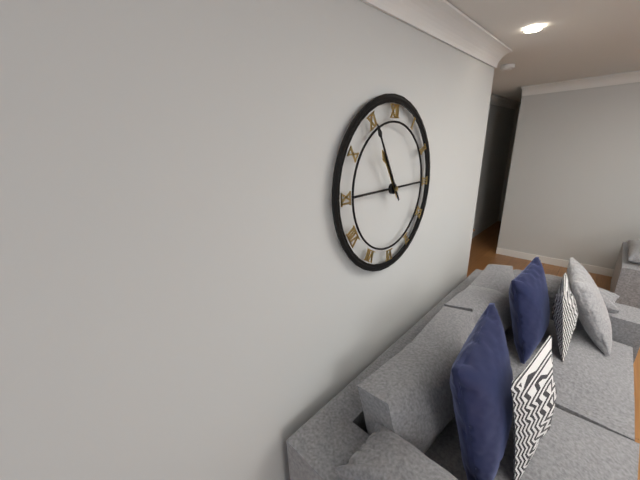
**10:55**
